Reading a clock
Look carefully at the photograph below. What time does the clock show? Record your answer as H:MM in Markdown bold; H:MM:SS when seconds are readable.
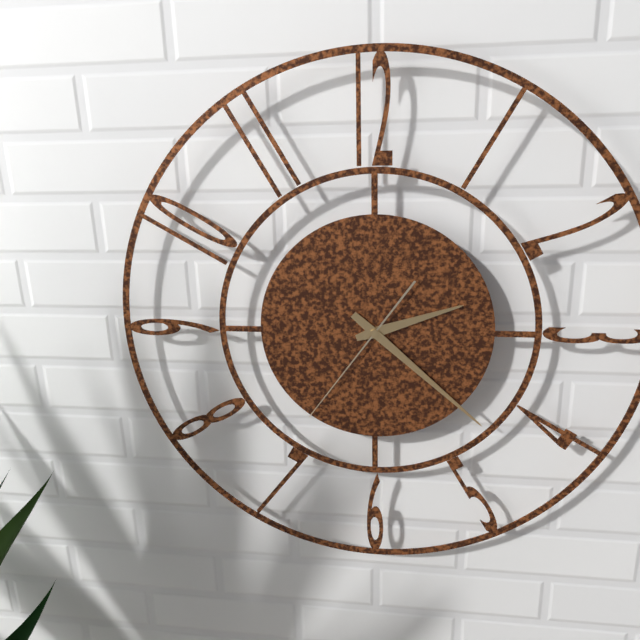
**2:22:36**
